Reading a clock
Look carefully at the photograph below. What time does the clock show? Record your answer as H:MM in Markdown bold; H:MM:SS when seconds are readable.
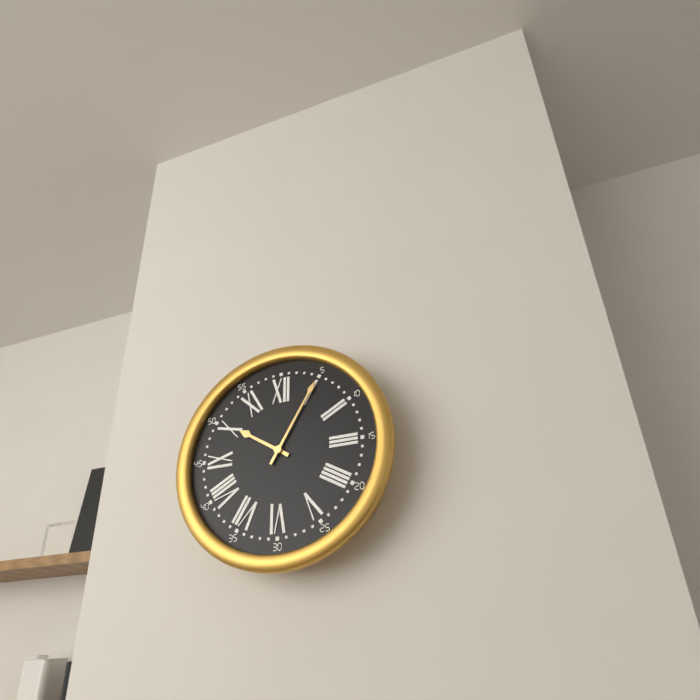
**10:05**
